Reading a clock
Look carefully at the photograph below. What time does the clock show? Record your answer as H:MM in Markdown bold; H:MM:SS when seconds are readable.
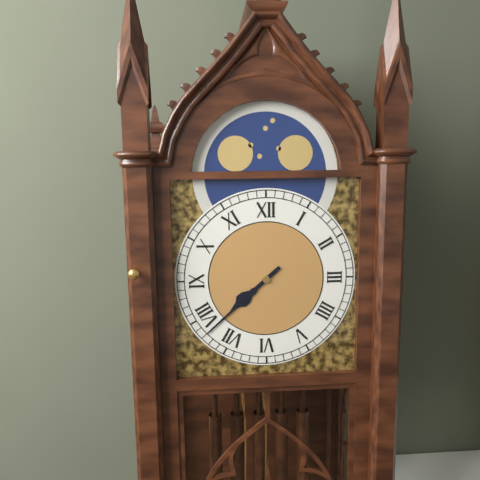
**7:38**
